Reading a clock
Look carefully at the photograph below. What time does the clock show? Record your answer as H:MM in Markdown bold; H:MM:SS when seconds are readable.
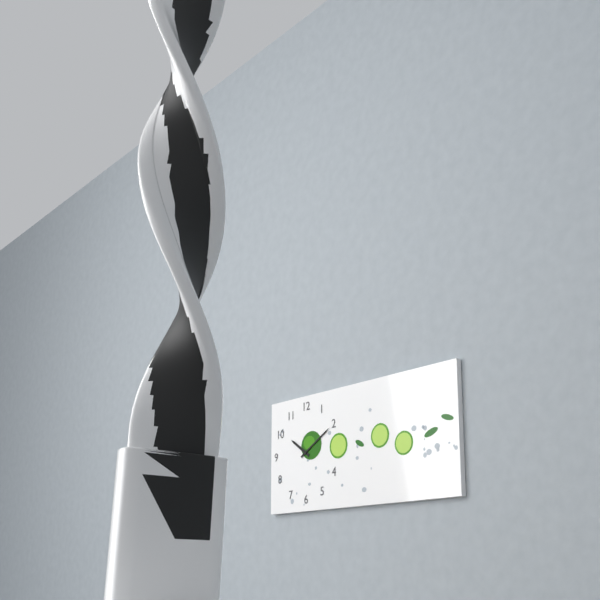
**10:10**
